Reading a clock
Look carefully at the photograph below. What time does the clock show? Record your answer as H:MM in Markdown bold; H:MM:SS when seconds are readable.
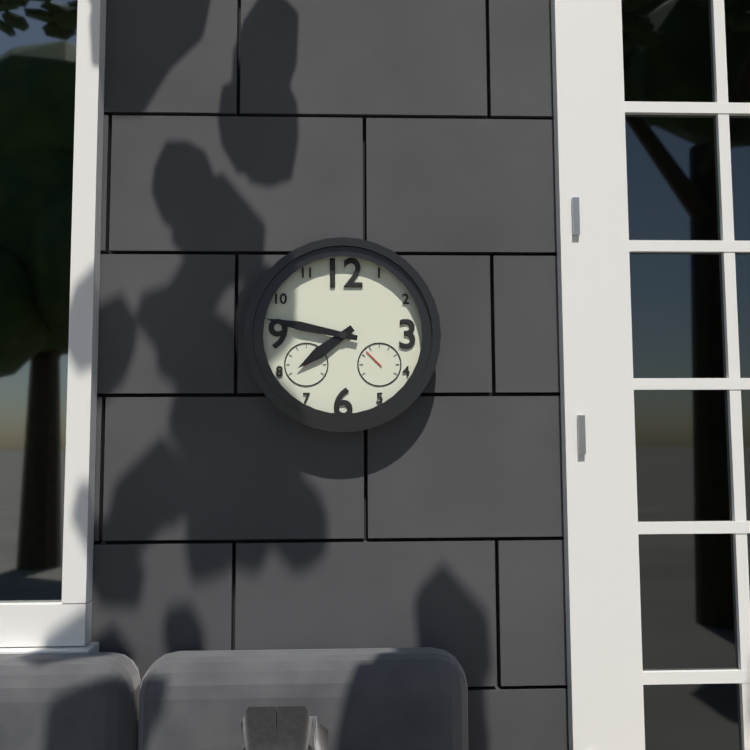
**7:47**
